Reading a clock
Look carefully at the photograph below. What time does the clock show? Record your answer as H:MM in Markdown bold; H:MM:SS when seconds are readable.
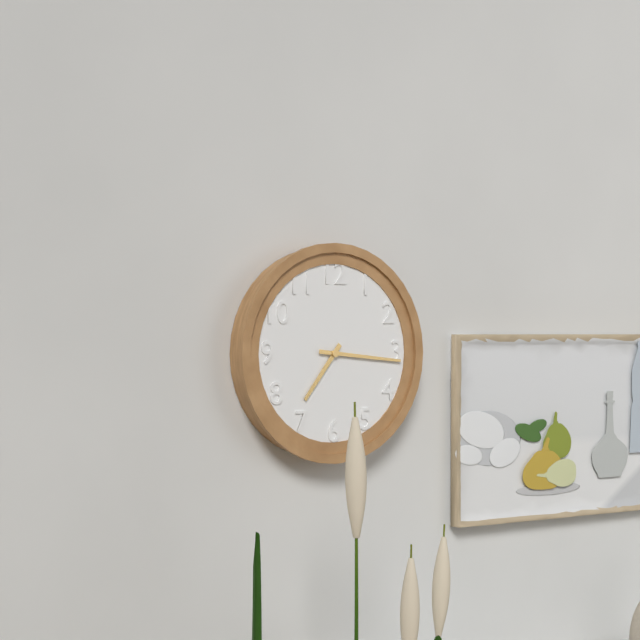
**7:16**
